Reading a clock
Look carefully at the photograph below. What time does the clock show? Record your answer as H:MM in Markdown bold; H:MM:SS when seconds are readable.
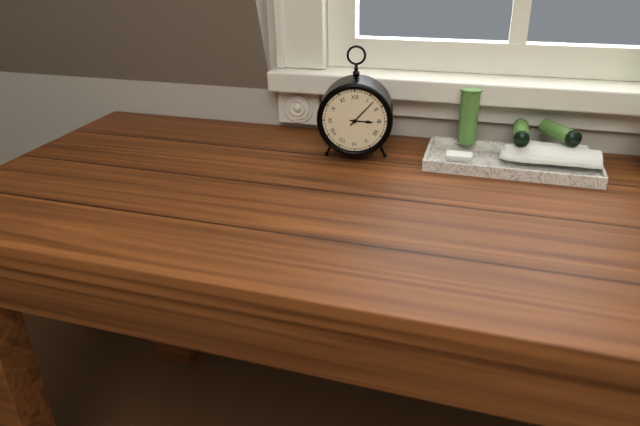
**3:07**
